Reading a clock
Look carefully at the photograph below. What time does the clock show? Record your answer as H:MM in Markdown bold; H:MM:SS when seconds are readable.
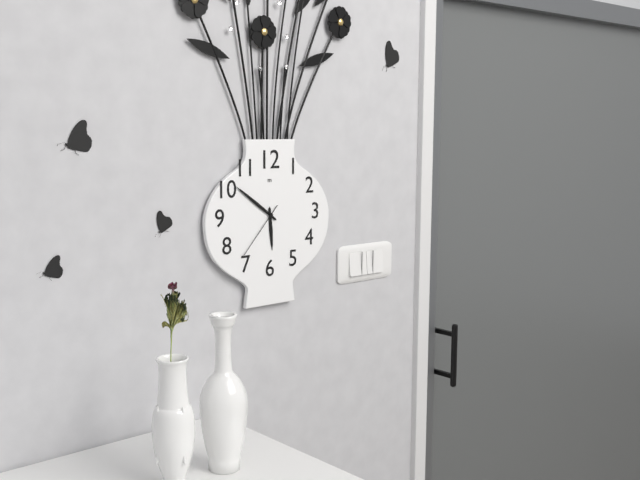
**5:51:37**
